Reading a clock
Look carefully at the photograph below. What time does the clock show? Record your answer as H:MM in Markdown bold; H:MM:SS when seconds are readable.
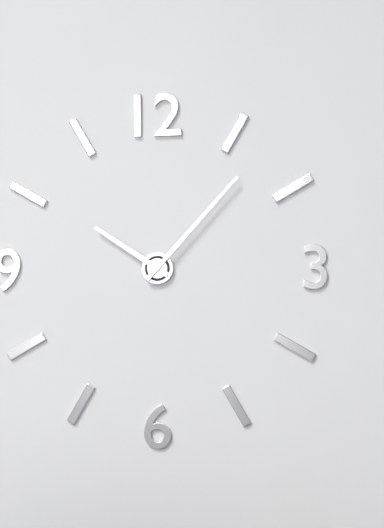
**10:07**
